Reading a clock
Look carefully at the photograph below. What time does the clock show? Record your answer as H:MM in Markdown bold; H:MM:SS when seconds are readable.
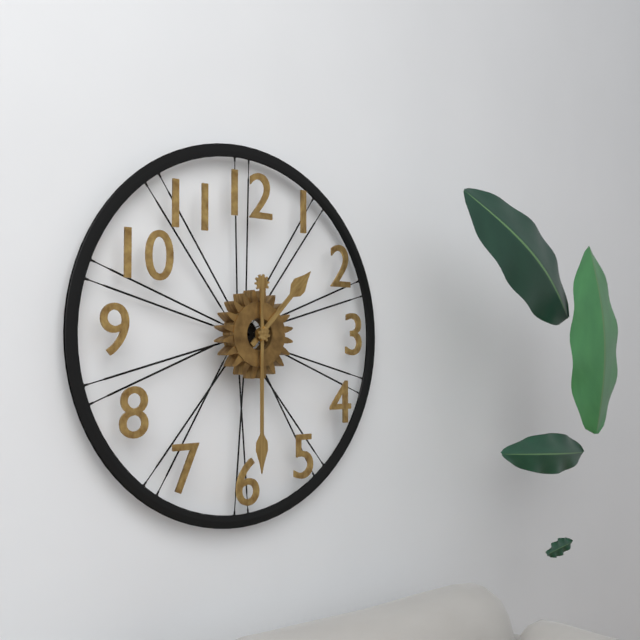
**1:30**
